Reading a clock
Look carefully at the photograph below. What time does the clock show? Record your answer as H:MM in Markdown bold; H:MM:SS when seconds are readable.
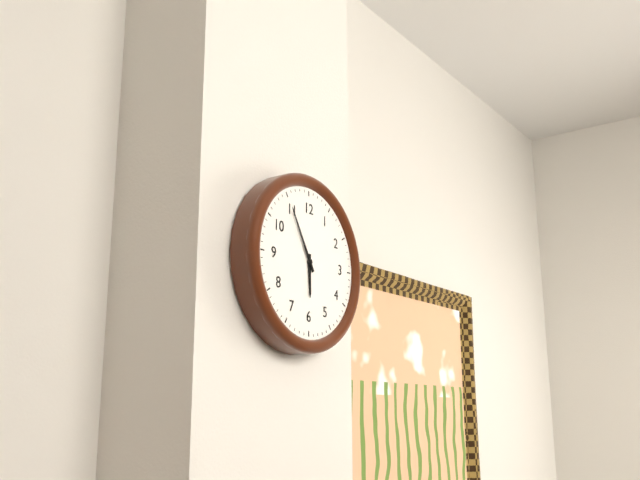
**5:55**
